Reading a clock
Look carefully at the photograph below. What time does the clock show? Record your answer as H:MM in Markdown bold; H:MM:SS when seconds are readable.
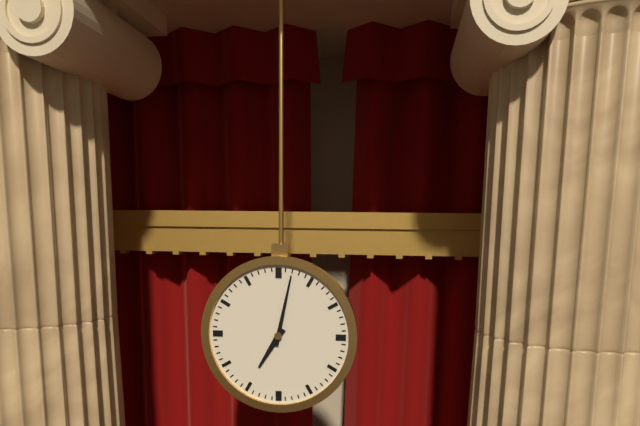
**7:02**
